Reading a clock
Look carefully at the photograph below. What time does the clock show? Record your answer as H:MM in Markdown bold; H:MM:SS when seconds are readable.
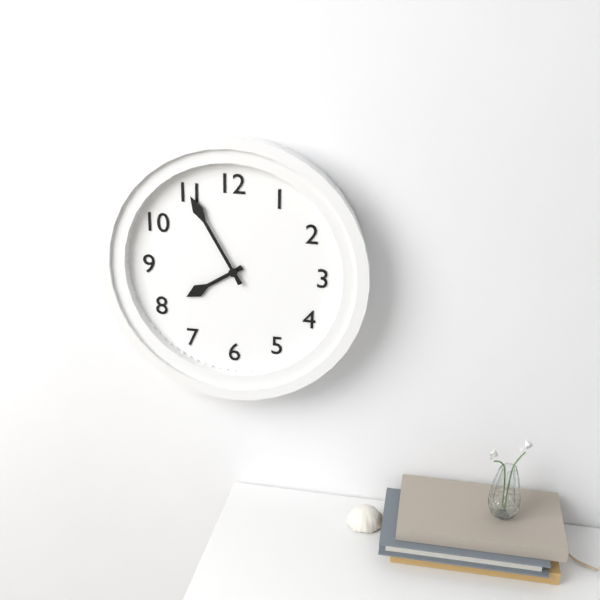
**7:55**
